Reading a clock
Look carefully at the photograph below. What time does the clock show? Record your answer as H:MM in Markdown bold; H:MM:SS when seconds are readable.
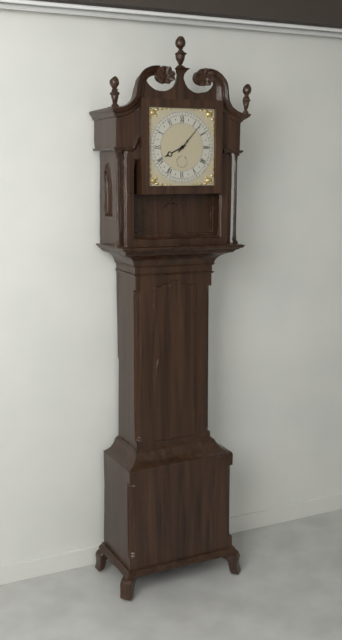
**8:07**
